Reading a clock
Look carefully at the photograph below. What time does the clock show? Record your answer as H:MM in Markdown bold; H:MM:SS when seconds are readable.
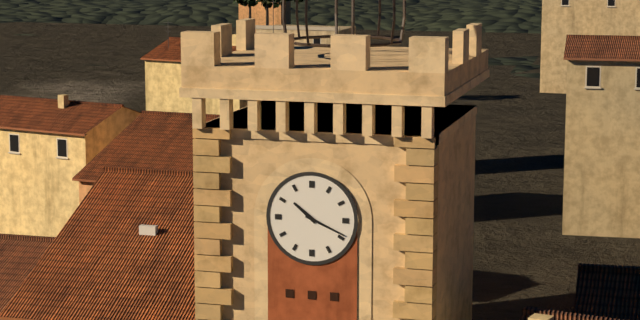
**10:19**
